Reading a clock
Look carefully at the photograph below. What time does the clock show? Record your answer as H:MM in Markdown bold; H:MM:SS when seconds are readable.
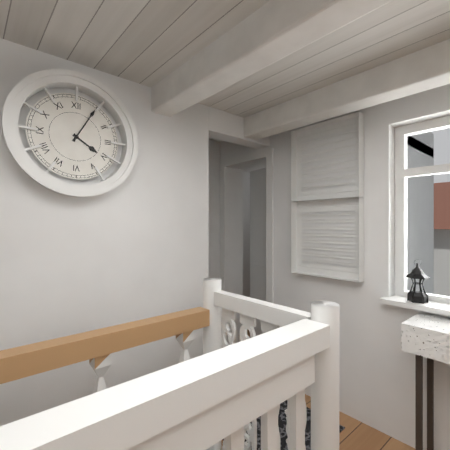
**4:05**
